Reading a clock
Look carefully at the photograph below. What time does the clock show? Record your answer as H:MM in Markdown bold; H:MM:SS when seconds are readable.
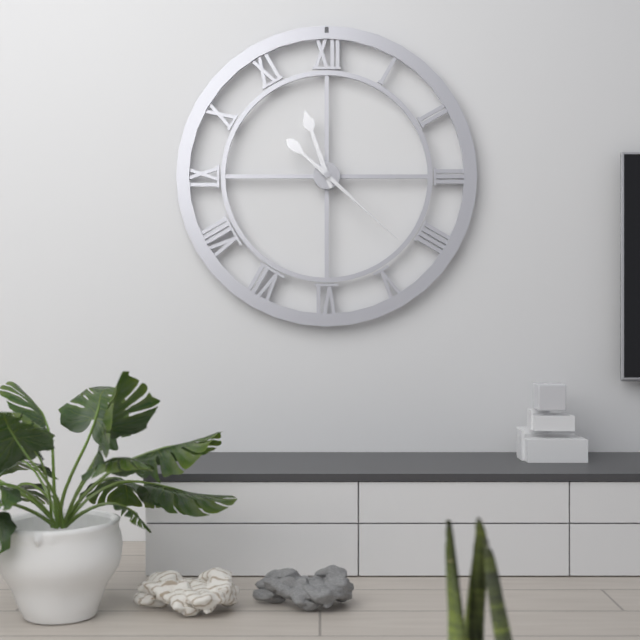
**11:22**
